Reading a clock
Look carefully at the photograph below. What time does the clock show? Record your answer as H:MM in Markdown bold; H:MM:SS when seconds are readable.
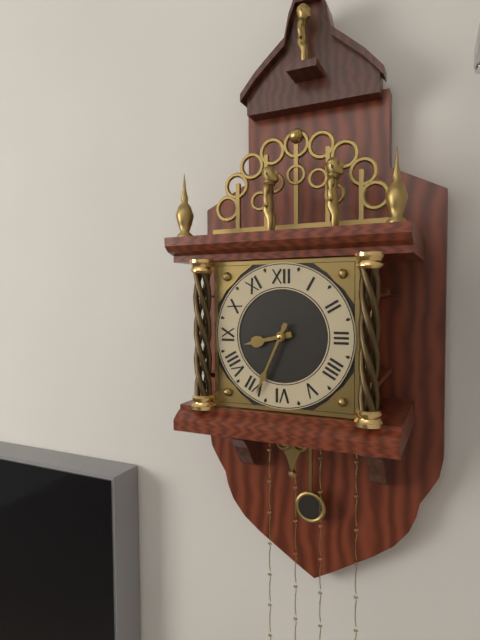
**8:34**
